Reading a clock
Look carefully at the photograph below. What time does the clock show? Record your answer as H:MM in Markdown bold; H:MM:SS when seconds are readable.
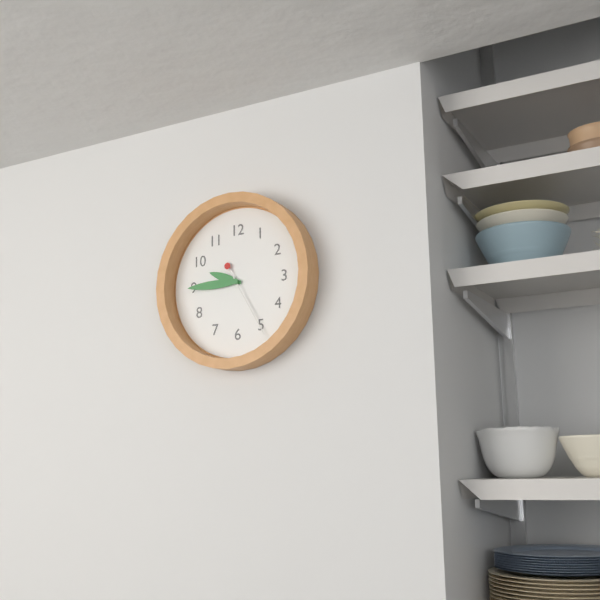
**9:45:25**
